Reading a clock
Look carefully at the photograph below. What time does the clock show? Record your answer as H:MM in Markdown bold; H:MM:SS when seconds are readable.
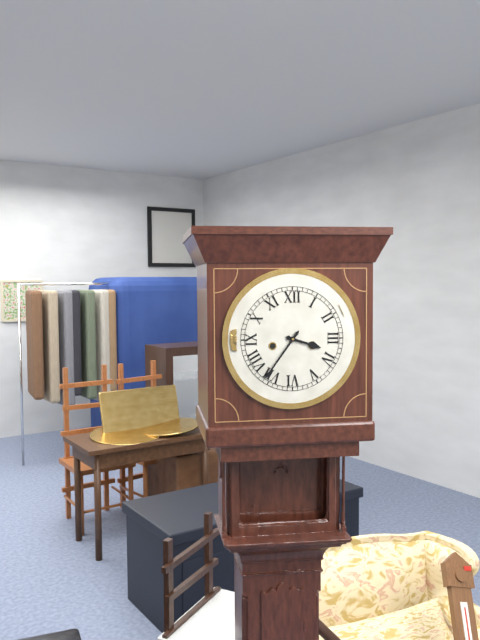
**3:36**
